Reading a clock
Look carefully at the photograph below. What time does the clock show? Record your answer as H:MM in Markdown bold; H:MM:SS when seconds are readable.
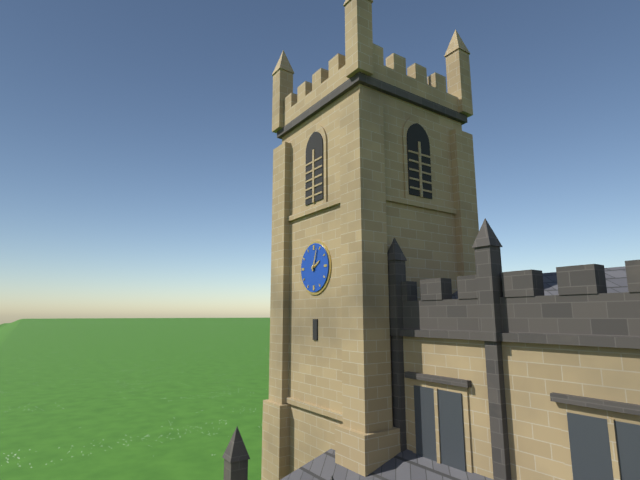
**2:03**
